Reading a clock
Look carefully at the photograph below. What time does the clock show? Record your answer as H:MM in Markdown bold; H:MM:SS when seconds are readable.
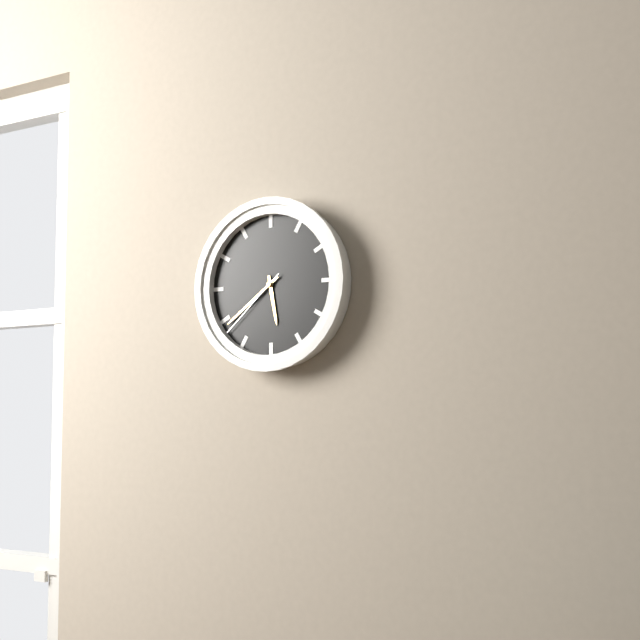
**5:39:38**
